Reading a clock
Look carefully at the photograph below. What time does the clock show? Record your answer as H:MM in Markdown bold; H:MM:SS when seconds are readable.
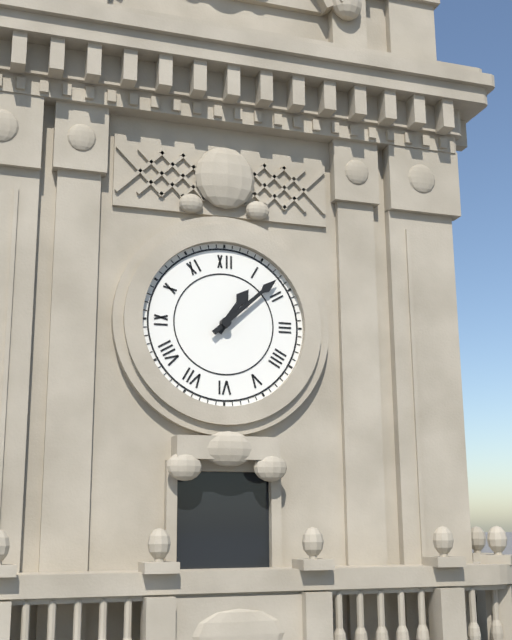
**1:08**
